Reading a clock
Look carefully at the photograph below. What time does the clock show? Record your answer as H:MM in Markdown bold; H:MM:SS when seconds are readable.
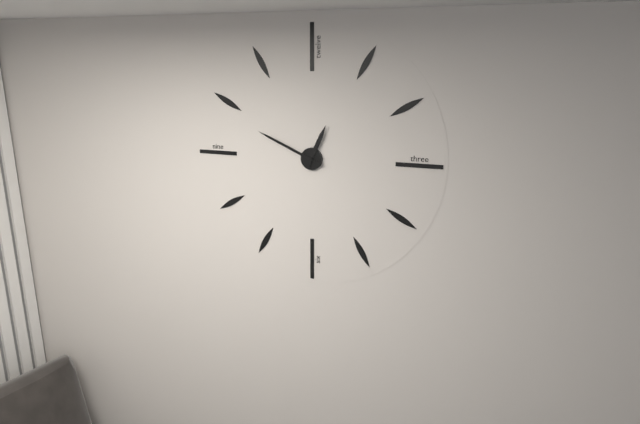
**12:49**
